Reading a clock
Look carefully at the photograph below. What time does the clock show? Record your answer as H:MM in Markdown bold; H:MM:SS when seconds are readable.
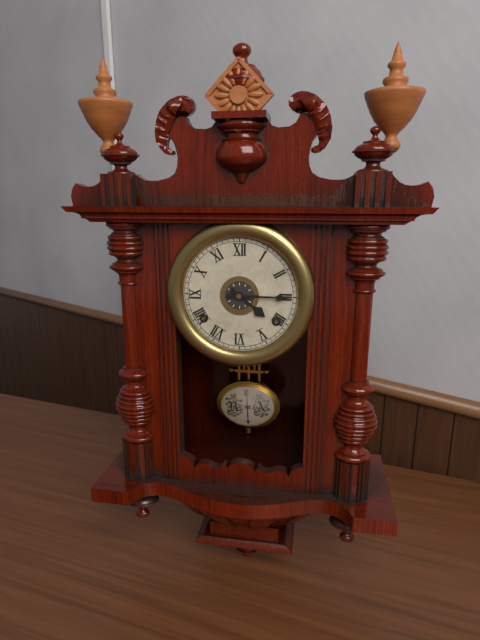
**4:15**
